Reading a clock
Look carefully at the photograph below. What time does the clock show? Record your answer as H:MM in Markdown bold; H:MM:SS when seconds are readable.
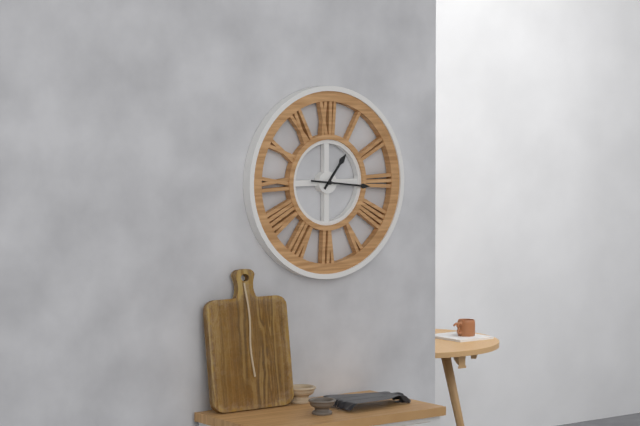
**1:16**
